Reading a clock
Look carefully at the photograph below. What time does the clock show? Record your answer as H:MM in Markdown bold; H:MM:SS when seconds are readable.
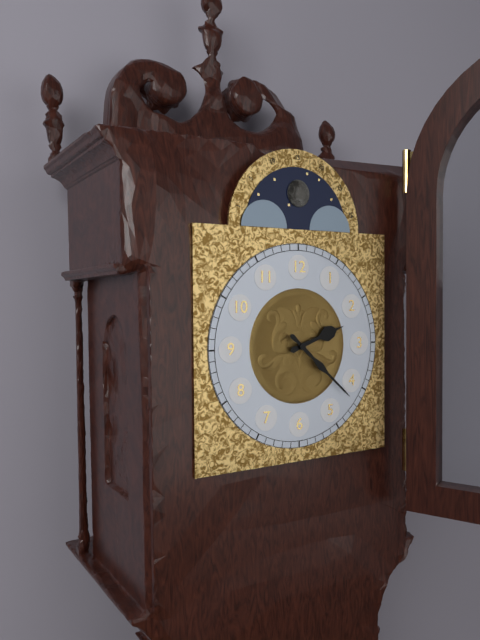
**2:22**
